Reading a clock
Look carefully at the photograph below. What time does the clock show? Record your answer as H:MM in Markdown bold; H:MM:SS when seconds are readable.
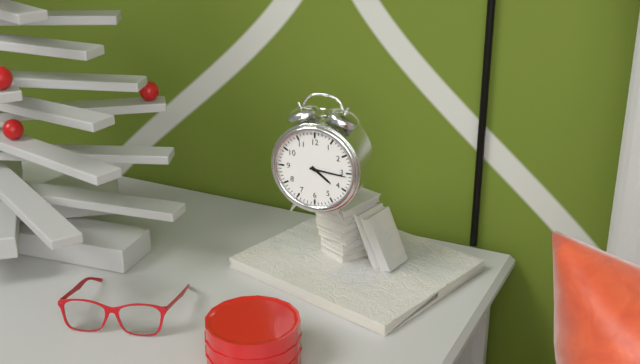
**4:16**
